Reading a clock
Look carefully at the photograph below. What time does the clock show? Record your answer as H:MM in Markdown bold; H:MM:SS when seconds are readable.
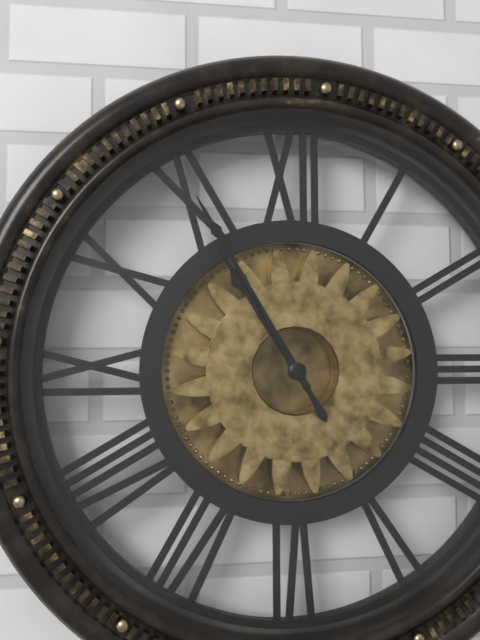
**10:55**
